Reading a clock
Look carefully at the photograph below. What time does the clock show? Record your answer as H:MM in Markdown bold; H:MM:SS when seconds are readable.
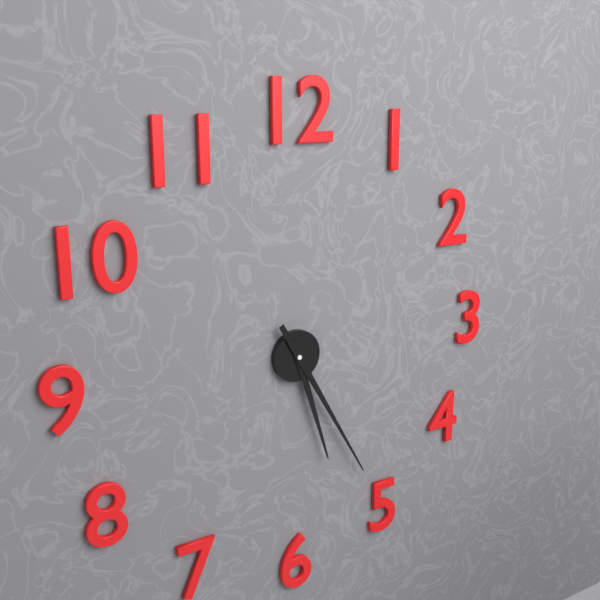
**5:25**
